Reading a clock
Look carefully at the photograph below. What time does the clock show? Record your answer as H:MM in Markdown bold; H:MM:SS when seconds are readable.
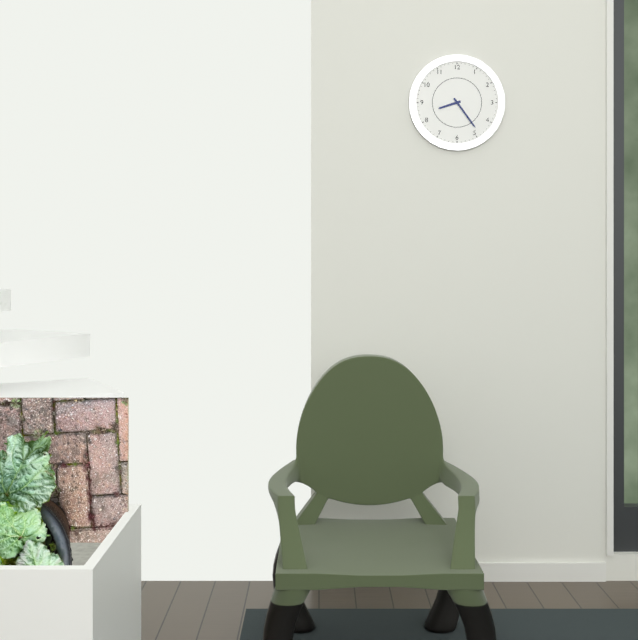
**8:24**
